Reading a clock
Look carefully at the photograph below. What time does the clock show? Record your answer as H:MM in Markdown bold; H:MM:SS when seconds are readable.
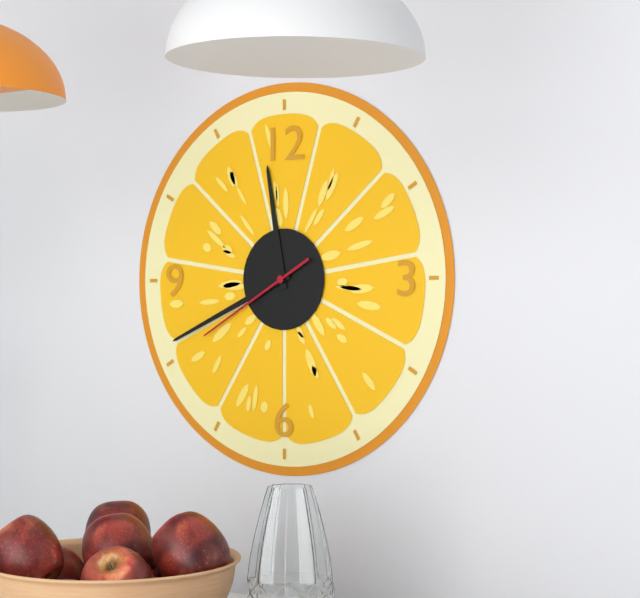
**11:41:40**
